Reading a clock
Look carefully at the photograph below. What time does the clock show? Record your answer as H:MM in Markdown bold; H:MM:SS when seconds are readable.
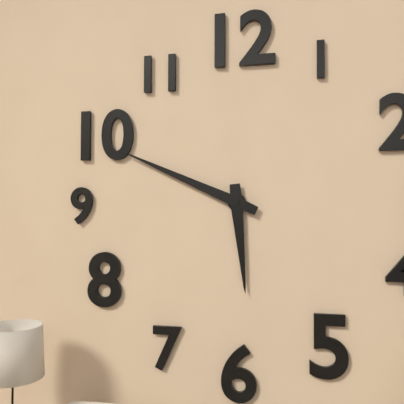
**5:49**
